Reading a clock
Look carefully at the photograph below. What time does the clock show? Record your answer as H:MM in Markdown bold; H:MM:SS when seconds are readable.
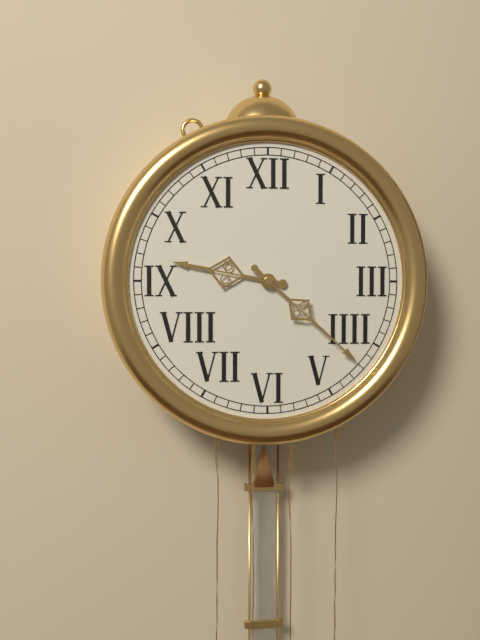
**9:22**
